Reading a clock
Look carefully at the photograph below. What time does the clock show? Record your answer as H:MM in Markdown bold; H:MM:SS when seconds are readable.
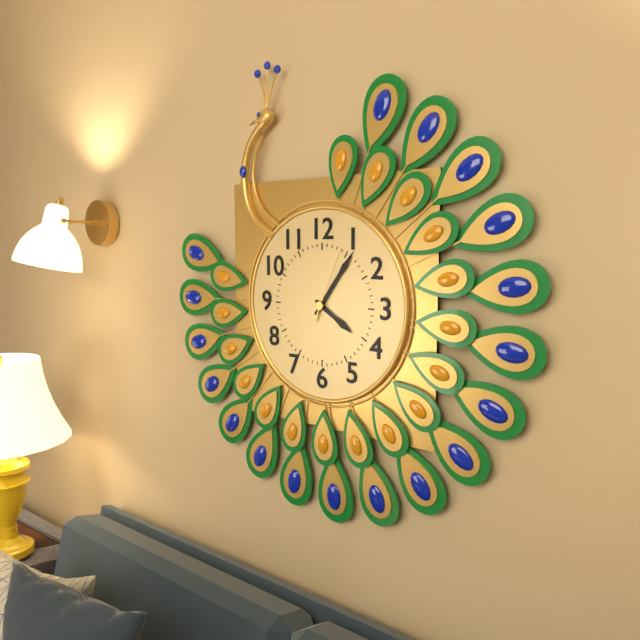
**4:06:04**
